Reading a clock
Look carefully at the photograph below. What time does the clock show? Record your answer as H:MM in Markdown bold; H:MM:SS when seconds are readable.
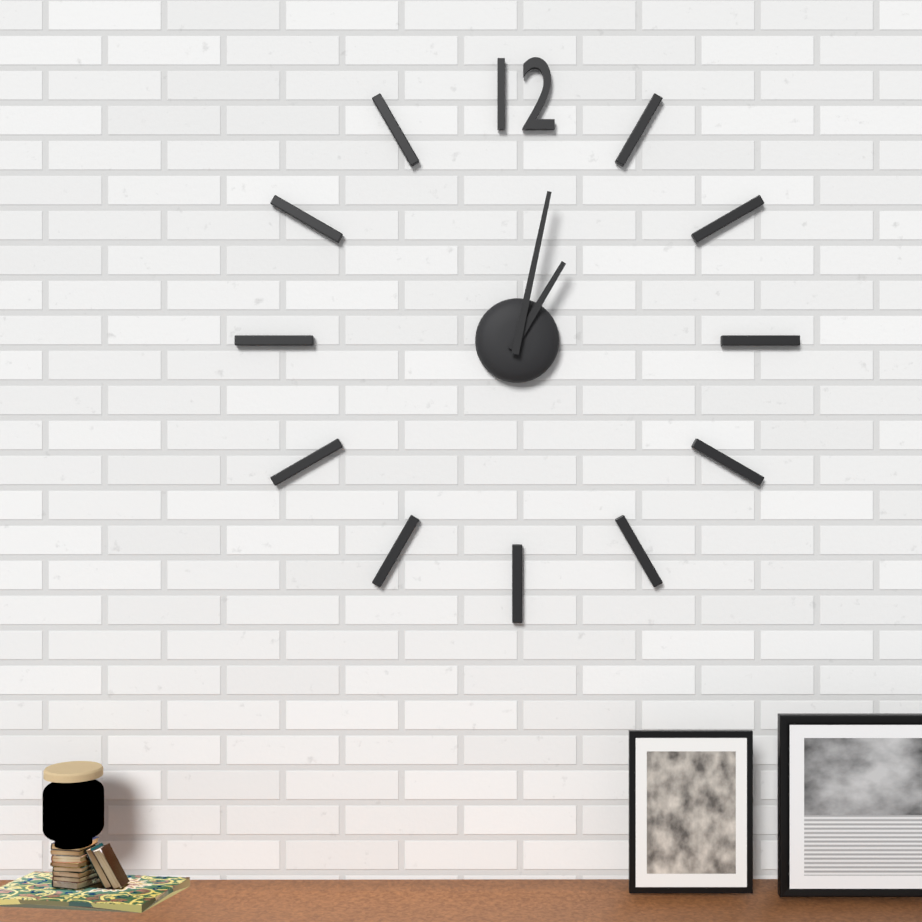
**1:02**
